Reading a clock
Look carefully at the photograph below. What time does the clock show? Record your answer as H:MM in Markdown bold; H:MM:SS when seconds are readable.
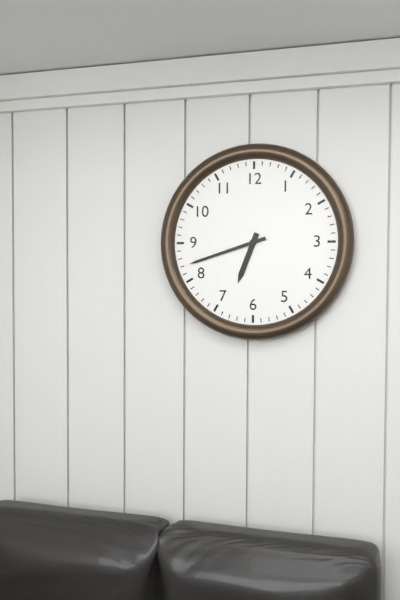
**6:42**
